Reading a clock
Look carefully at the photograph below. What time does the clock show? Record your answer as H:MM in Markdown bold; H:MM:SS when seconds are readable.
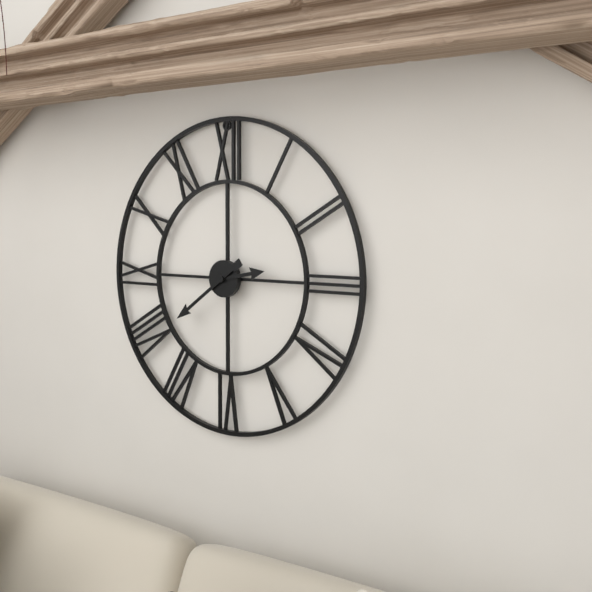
**2:39**
